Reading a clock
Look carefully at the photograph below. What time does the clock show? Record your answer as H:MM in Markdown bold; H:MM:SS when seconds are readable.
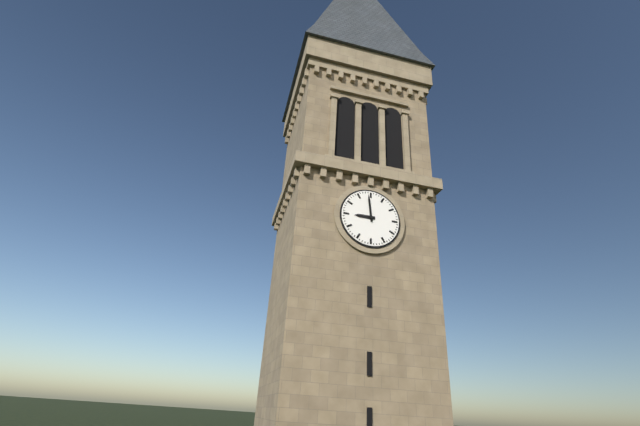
**8:59**
